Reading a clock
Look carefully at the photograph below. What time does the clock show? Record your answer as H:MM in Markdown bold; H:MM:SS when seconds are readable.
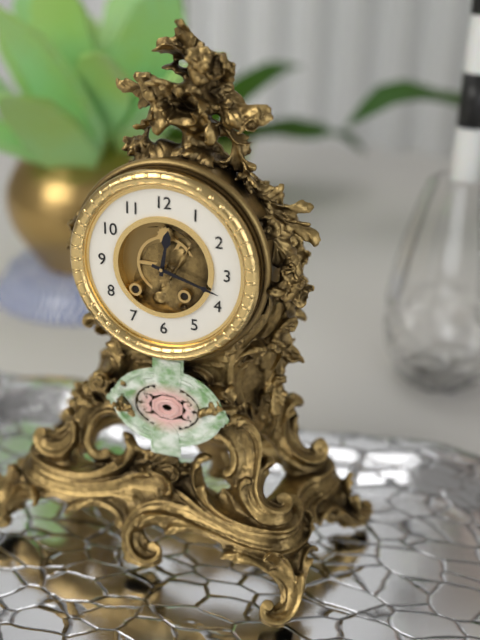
**12:18**
